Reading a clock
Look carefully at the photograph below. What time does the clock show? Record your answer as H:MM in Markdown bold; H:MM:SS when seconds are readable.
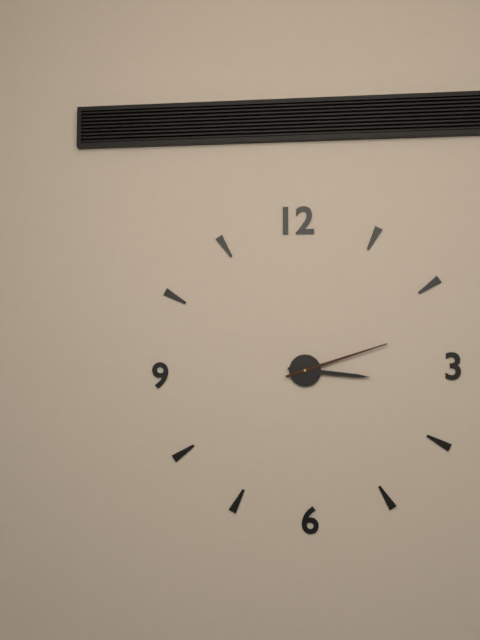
**3:12**
